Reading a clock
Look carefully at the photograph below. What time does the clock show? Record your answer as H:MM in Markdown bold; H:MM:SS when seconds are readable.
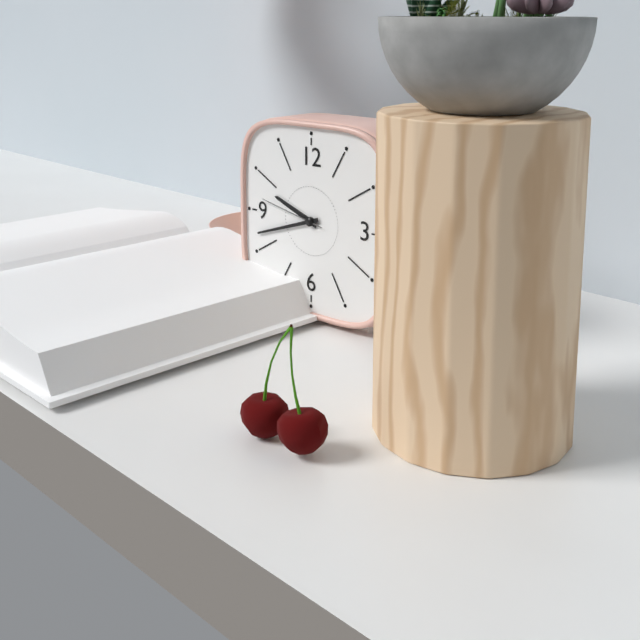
**9:42:47**
